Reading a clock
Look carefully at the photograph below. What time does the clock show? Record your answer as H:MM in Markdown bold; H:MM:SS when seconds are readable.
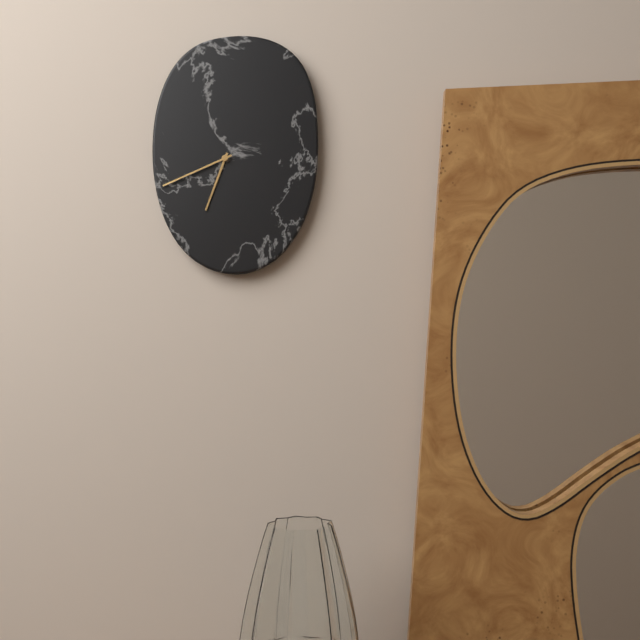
**6:41**
